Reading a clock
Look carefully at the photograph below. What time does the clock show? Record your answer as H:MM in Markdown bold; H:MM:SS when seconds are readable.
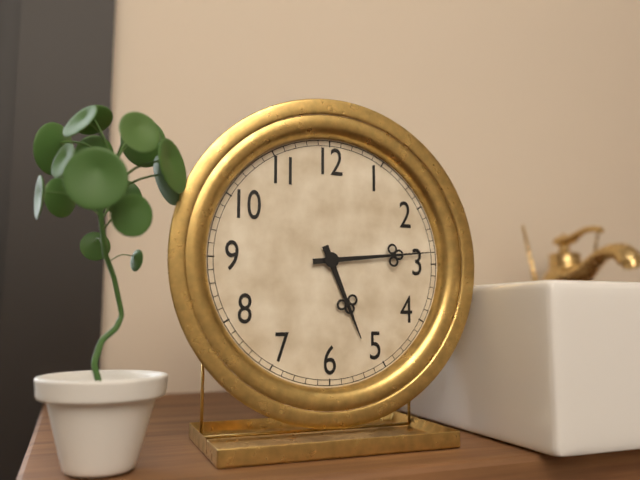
**5:14**
